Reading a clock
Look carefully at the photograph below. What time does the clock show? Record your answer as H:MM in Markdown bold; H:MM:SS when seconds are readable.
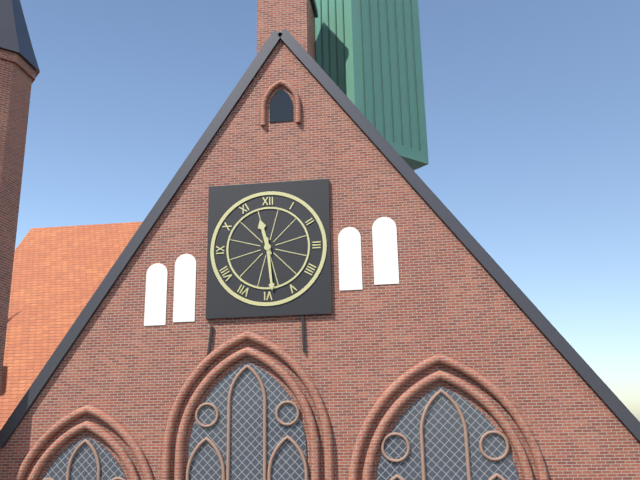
**11:29**
